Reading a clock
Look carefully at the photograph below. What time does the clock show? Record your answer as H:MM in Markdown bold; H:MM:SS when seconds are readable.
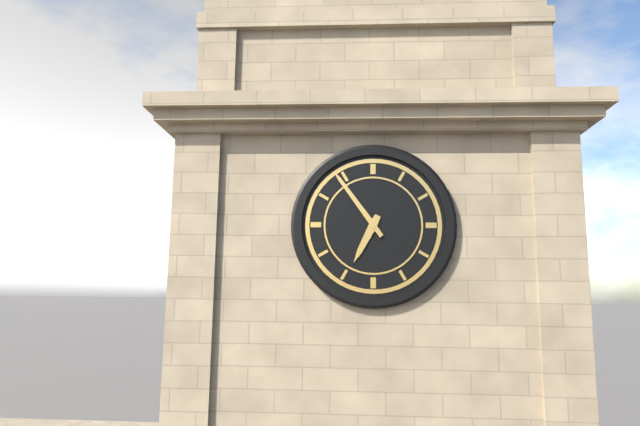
**6:54**
